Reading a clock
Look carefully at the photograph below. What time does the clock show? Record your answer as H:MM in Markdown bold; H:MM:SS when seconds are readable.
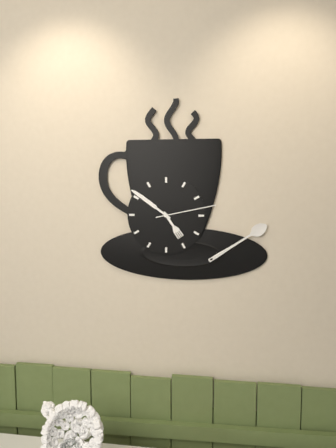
**4:51:13**
